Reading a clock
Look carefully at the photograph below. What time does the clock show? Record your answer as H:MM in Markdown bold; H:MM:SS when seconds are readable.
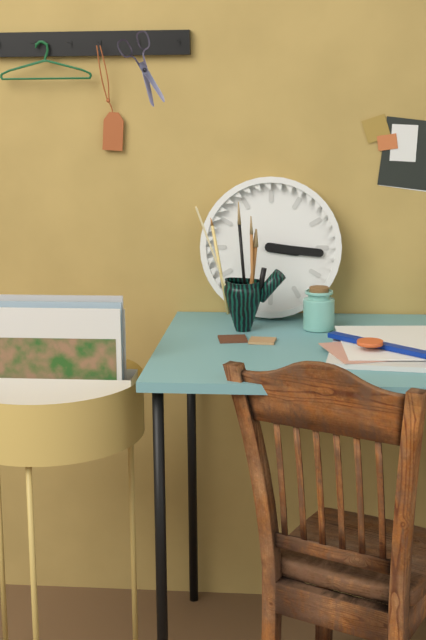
**3:16**
